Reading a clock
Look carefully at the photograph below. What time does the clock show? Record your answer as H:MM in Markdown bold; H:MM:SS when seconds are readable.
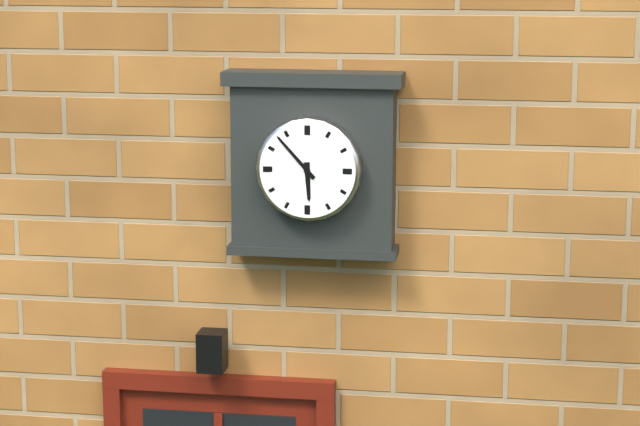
**5:53**
